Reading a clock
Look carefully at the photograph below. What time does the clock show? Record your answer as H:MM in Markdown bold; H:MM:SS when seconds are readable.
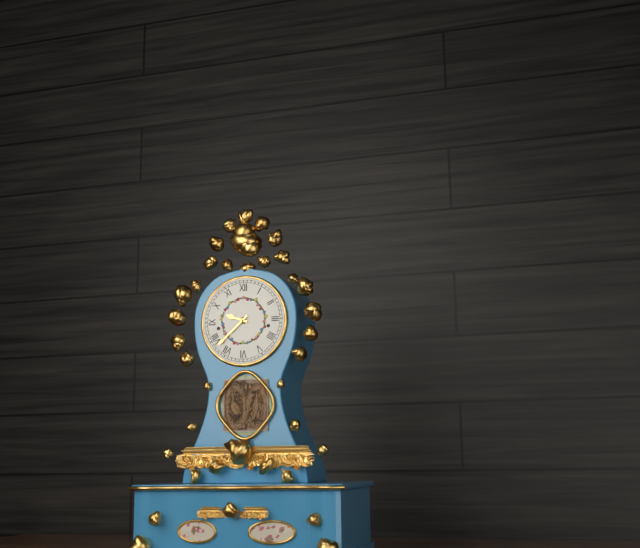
**9:38**
